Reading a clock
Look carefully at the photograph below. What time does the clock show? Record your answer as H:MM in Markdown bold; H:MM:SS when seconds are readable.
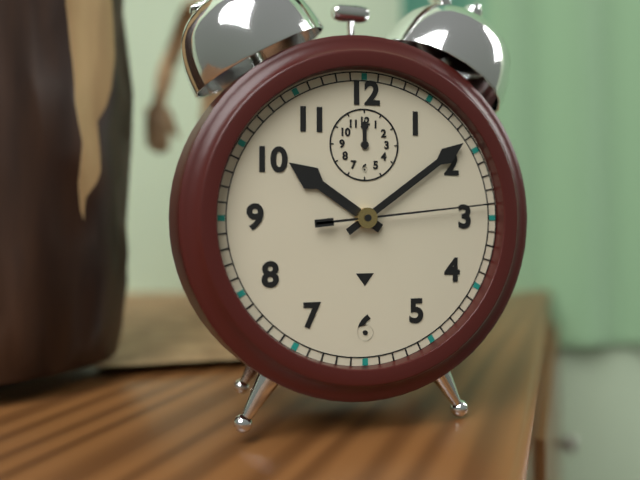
**10:09:14**
